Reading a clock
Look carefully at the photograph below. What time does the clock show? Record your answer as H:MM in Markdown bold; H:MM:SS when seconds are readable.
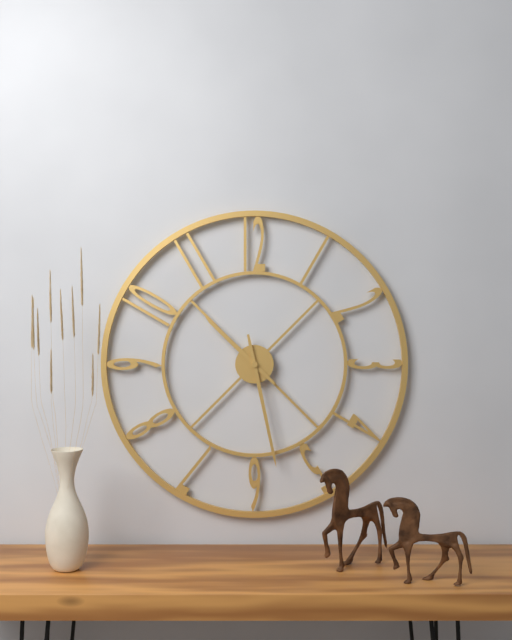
**10:28**
